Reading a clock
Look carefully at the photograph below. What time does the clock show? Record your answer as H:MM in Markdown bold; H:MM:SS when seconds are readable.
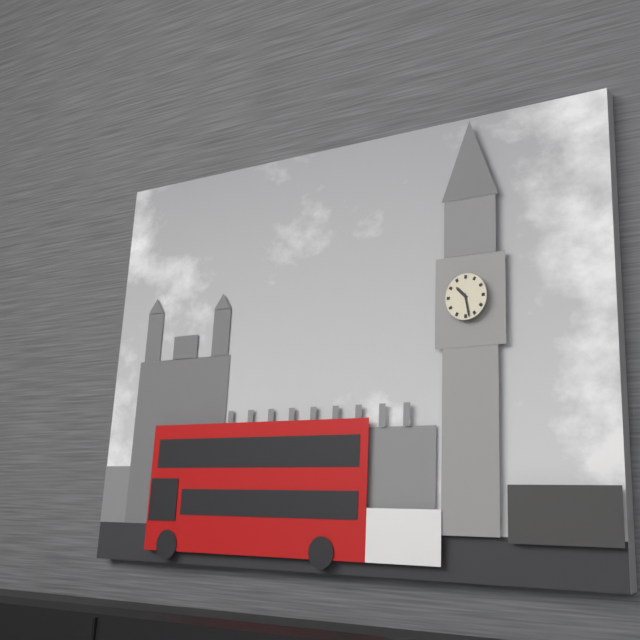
**10:28**
